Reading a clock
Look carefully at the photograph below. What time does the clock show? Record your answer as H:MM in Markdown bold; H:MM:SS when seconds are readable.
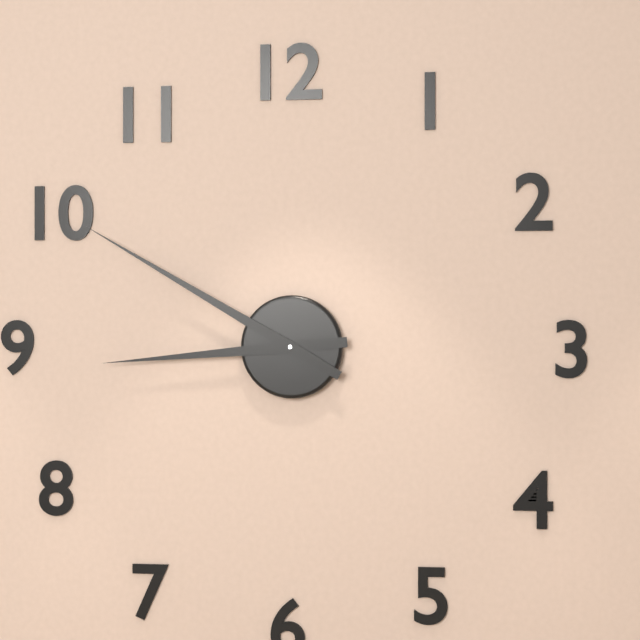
**8:50**
